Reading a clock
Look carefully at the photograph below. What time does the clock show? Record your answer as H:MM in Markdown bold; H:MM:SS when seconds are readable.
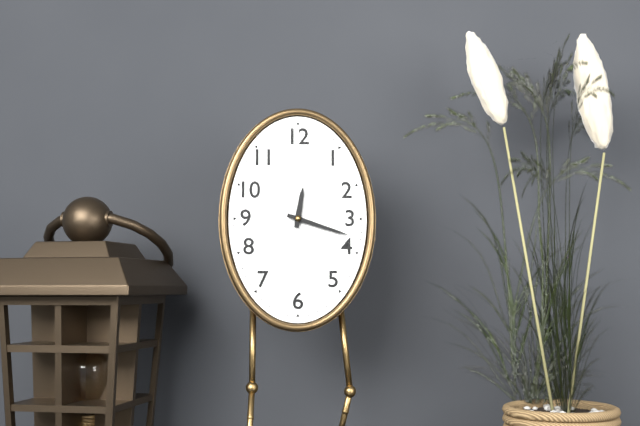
**12:18**
